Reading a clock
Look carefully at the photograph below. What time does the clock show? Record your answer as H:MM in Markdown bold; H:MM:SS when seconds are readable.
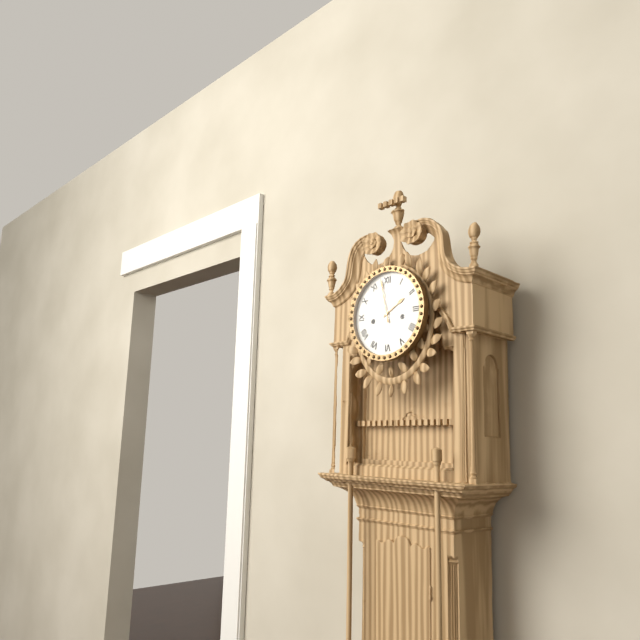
**1:58**
